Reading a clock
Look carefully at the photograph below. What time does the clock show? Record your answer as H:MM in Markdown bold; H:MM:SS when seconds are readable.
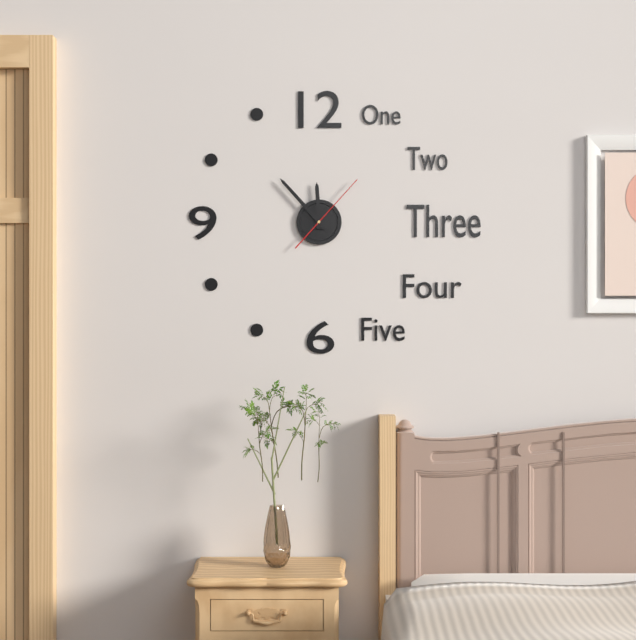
**11:53:07**
